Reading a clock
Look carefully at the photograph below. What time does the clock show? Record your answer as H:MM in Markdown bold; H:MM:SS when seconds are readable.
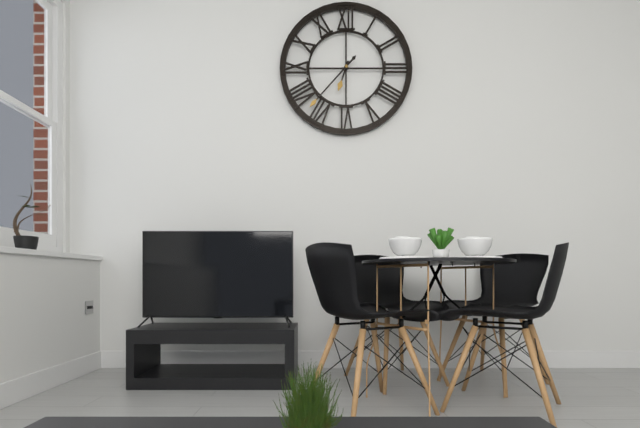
**6:37**
